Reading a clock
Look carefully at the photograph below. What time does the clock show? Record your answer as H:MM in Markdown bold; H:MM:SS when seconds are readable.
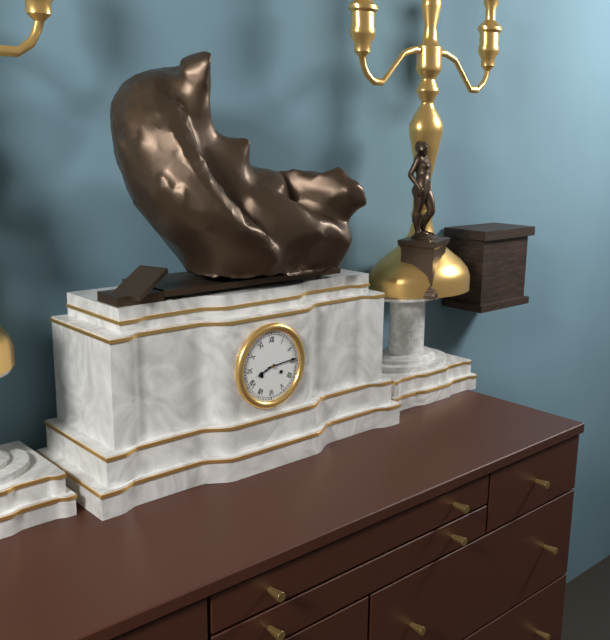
**8:14**
